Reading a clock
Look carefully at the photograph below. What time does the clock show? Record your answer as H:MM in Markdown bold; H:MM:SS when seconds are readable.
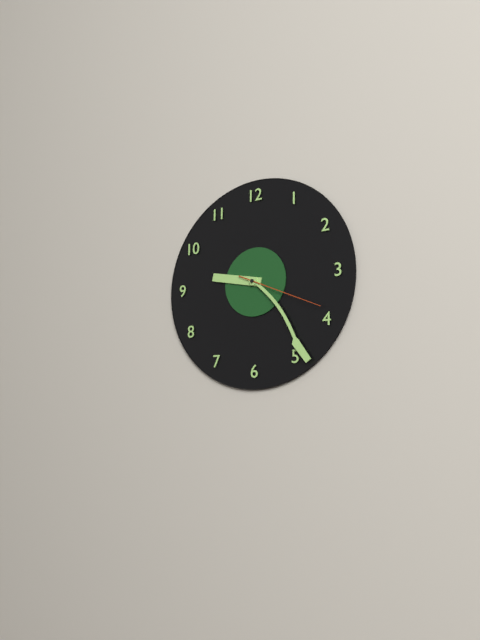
**9:24:19**
